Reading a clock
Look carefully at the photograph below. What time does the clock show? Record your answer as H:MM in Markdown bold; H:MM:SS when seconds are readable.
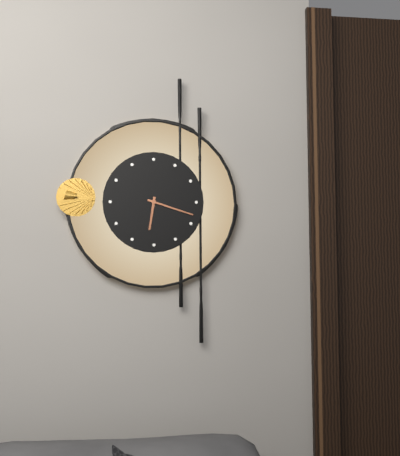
**6:18**
